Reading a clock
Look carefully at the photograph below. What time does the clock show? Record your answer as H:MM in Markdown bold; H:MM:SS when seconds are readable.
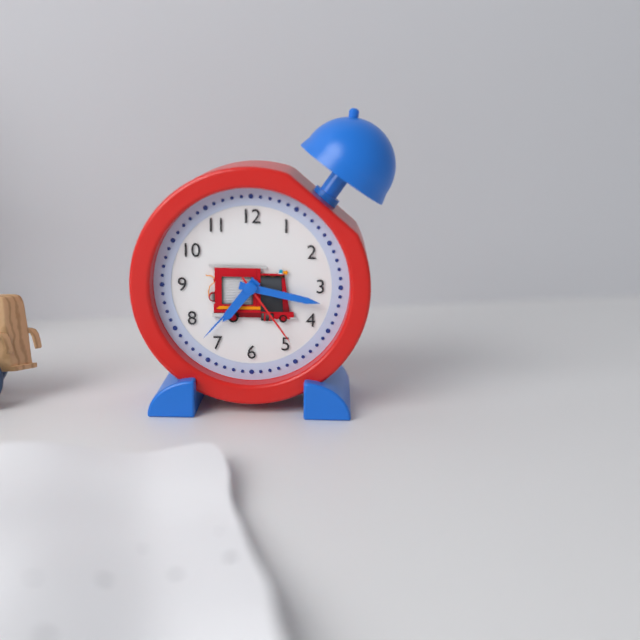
**7:17:24**
